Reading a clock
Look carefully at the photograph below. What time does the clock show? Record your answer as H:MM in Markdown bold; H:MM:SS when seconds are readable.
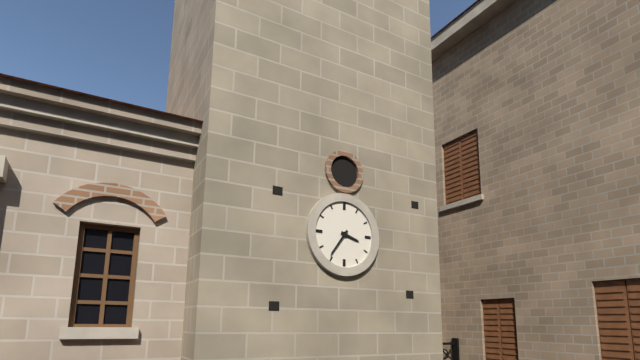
**3:36**
